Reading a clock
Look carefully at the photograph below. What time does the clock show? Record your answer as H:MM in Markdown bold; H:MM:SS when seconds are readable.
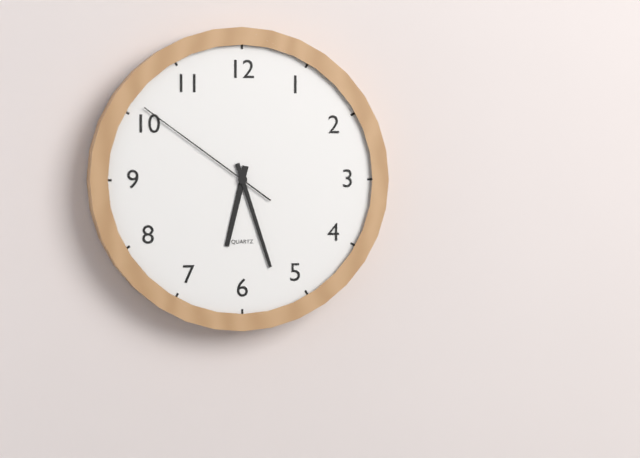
**6:27:51**
